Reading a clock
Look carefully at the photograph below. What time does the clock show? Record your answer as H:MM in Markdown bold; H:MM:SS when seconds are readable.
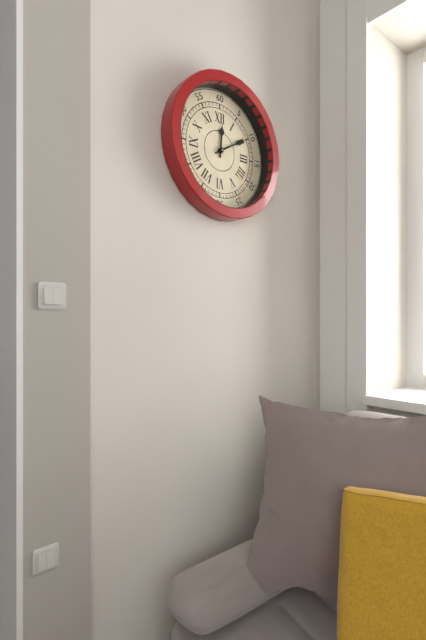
**12:10:22**
